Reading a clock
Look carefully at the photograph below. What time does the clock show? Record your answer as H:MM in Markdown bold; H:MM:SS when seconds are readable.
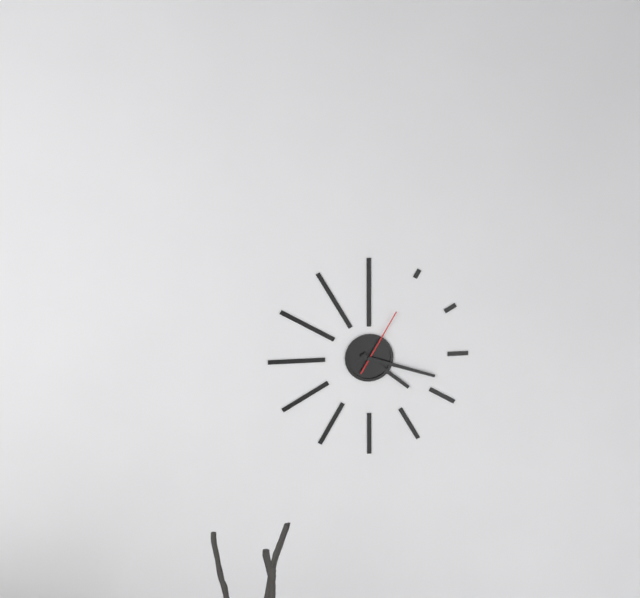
**4:18:05**
